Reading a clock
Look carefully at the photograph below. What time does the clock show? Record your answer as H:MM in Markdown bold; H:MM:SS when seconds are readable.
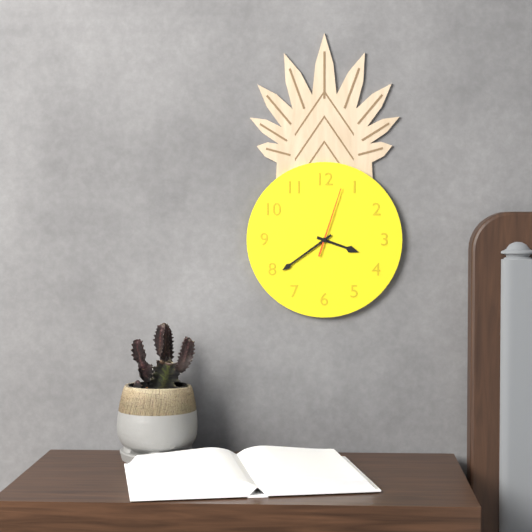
**3:39:03**
